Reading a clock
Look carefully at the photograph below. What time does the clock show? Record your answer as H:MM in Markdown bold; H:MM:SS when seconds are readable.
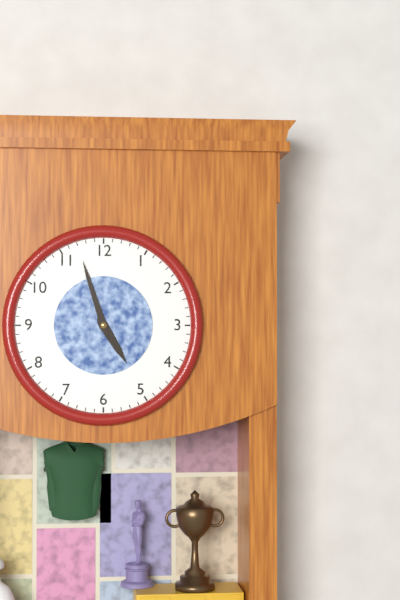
**4:57**
